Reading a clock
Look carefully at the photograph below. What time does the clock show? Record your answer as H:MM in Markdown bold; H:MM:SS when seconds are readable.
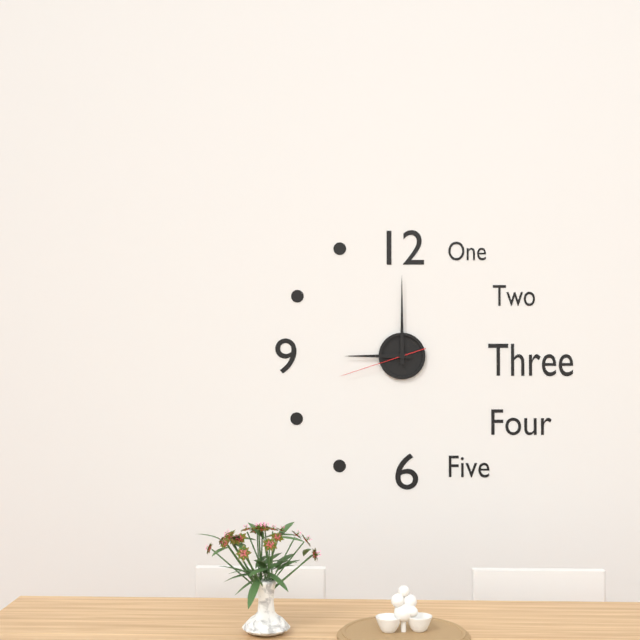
**9:00:42**
